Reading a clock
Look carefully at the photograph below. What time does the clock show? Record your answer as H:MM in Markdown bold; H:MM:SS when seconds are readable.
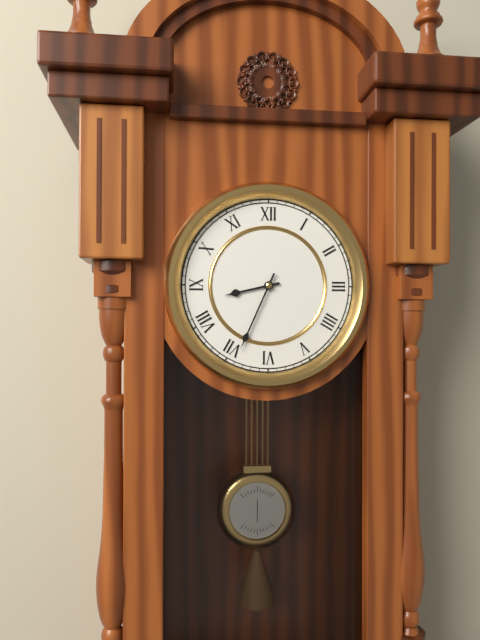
**8:34**
